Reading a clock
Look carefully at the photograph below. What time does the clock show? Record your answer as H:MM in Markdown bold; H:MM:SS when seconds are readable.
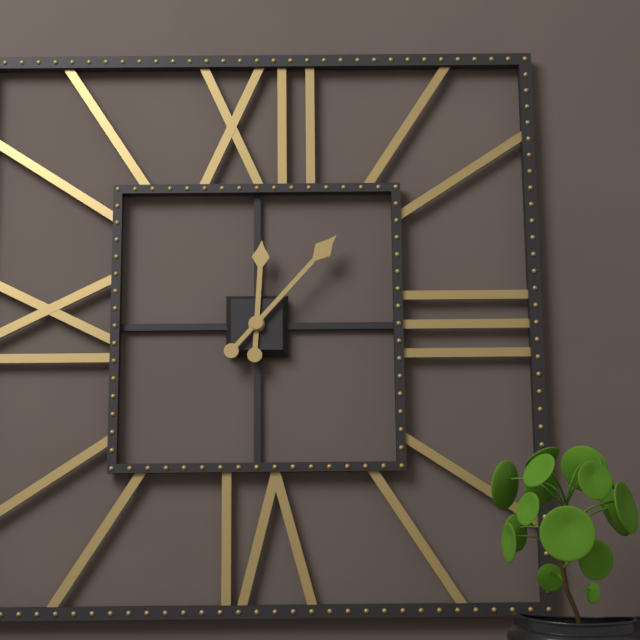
**12:07**
